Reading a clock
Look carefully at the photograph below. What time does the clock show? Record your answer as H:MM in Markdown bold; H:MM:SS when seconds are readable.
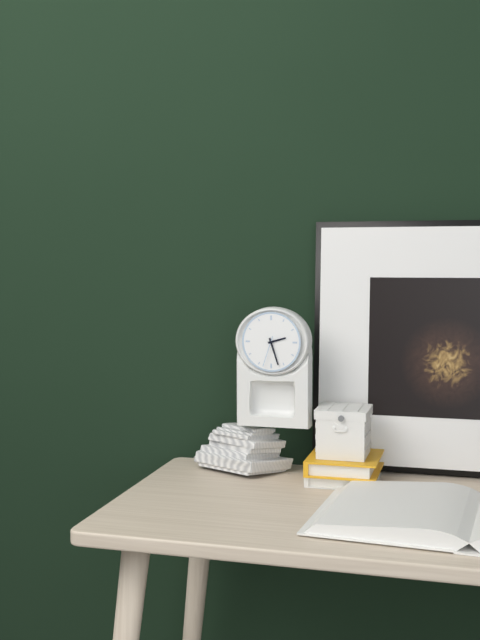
**2:27**
